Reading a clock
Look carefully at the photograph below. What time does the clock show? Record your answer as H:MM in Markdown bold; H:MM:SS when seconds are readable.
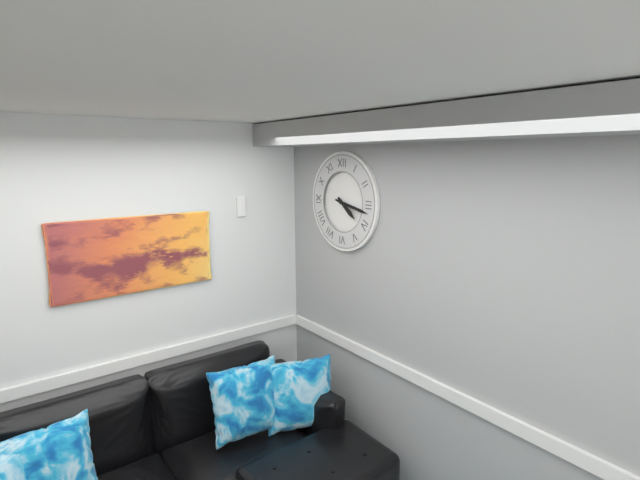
**4:17**
